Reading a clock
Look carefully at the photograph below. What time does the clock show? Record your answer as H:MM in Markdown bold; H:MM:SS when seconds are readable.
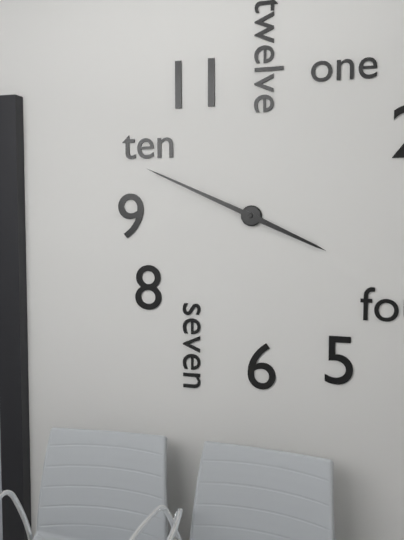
**3:49**
